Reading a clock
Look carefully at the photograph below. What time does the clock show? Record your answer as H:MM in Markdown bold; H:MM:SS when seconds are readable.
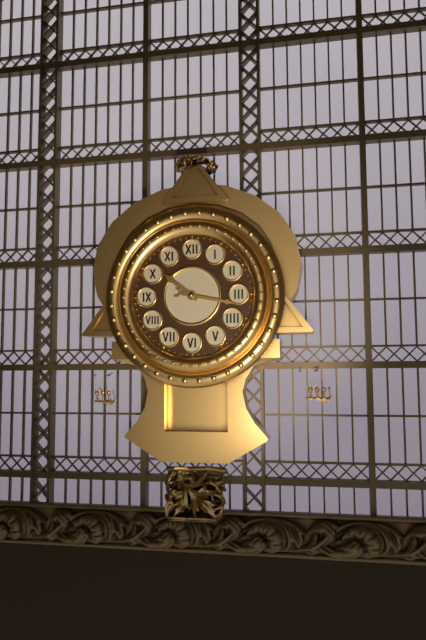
**10:17**
